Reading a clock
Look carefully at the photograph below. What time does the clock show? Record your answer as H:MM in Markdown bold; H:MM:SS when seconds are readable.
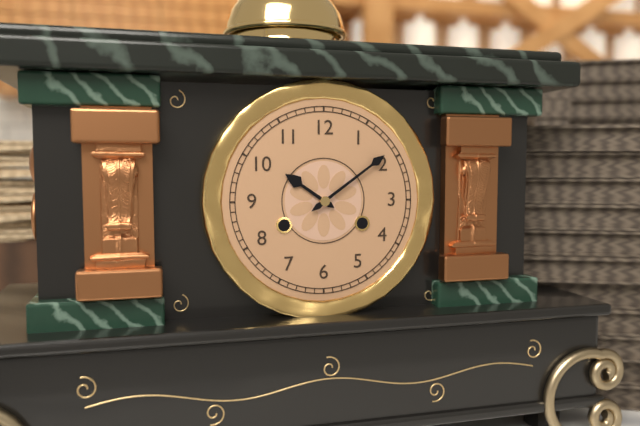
**10:09**
